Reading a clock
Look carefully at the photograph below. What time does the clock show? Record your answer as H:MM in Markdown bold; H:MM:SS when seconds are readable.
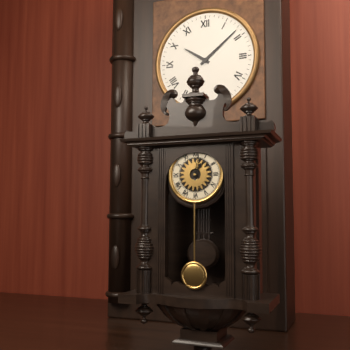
**1:02**
